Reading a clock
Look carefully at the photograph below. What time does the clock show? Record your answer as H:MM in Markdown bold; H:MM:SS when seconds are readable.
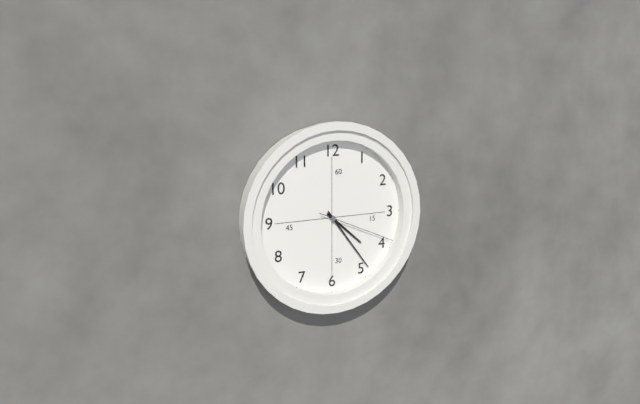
**4:24:19**
